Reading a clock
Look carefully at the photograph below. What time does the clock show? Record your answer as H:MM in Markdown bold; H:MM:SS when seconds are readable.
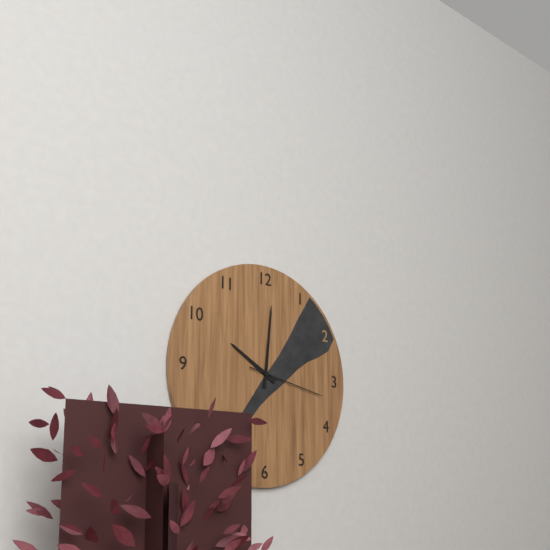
**10:01:17**
